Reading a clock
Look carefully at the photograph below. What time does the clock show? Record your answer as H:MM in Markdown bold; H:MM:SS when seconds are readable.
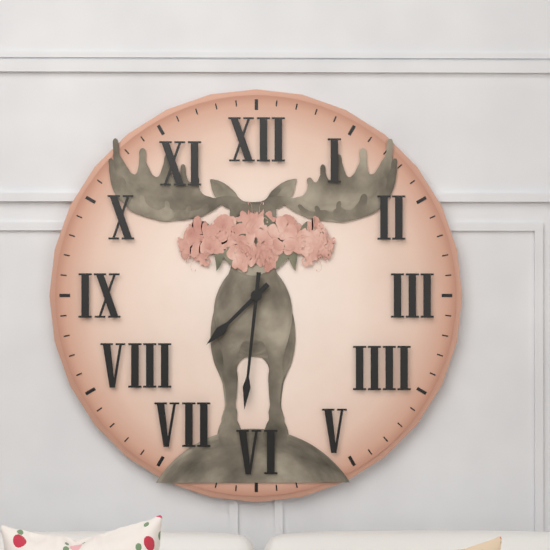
**7:31**
